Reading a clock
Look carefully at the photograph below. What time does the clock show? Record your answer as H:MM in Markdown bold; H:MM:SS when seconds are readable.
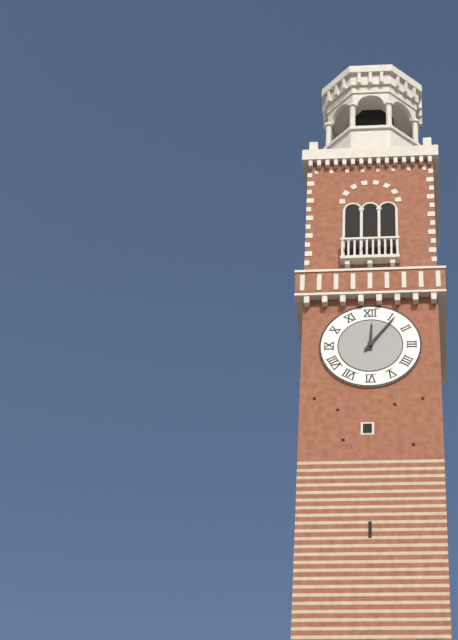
**12:06**
